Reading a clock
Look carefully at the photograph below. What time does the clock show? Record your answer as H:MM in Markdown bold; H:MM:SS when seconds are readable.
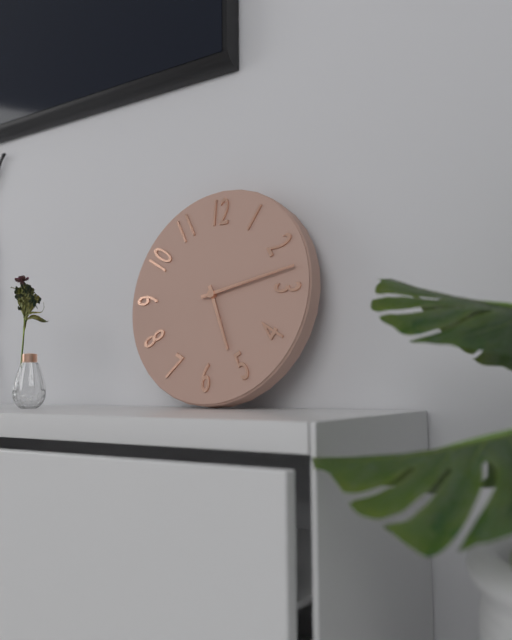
**5:13**
